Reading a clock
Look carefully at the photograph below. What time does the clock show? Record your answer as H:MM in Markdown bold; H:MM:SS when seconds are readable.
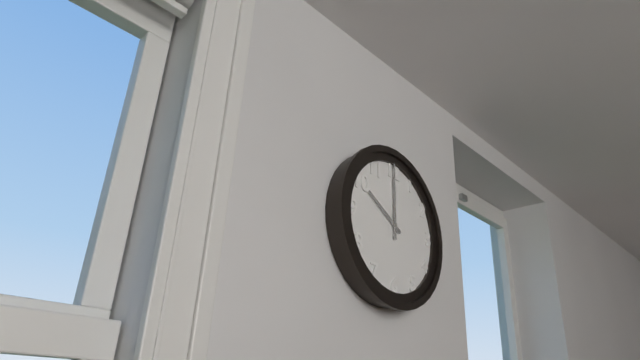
**10:00**
